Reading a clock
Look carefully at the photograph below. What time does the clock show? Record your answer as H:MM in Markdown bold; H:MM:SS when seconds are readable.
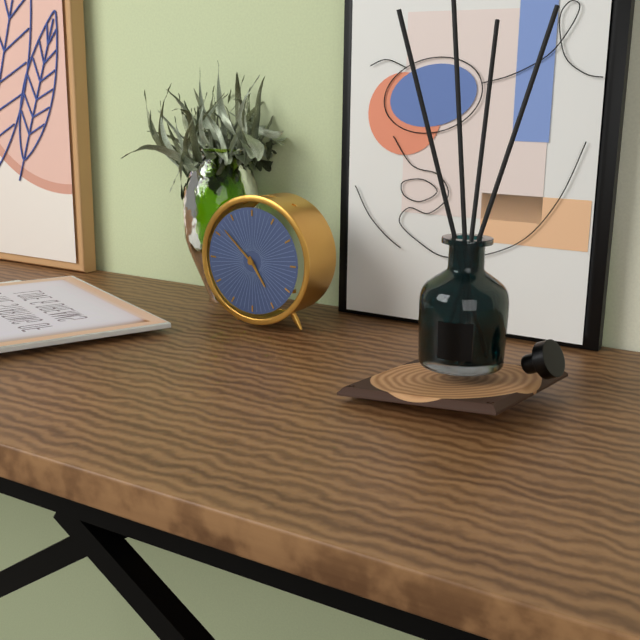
**4:52**
